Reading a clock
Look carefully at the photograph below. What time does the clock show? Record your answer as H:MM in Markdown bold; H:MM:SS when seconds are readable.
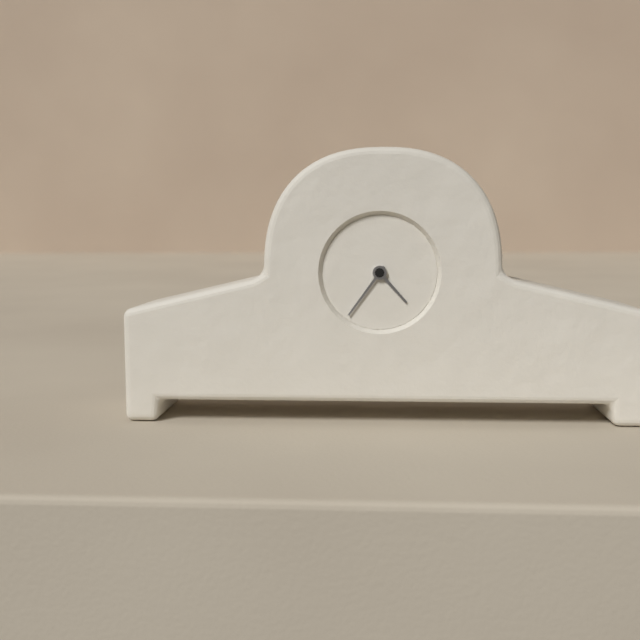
**4:36**
